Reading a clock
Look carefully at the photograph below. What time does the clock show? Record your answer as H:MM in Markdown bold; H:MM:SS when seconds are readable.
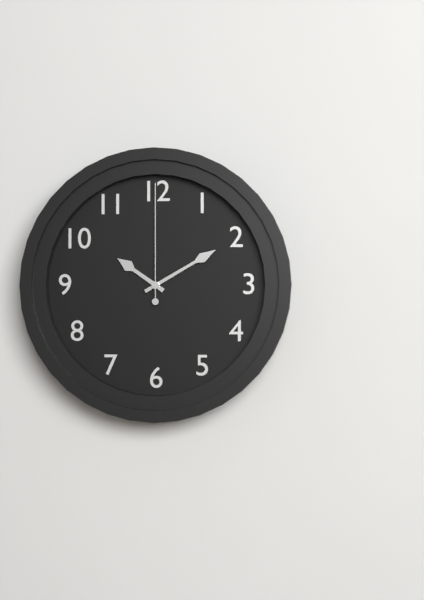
**10:10:00**
